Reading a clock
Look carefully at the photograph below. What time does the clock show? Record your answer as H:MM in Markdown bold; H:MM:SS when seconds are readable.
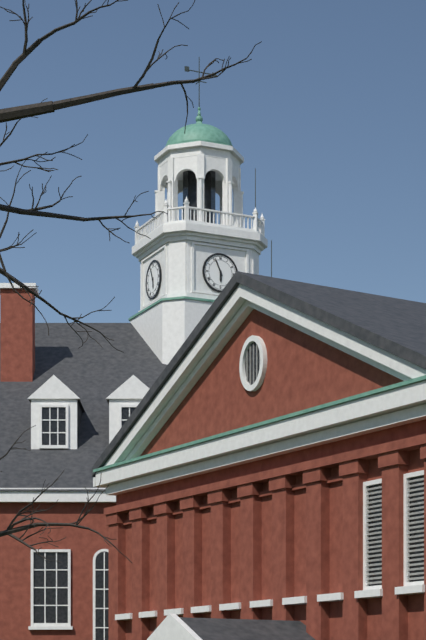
**5:56**
